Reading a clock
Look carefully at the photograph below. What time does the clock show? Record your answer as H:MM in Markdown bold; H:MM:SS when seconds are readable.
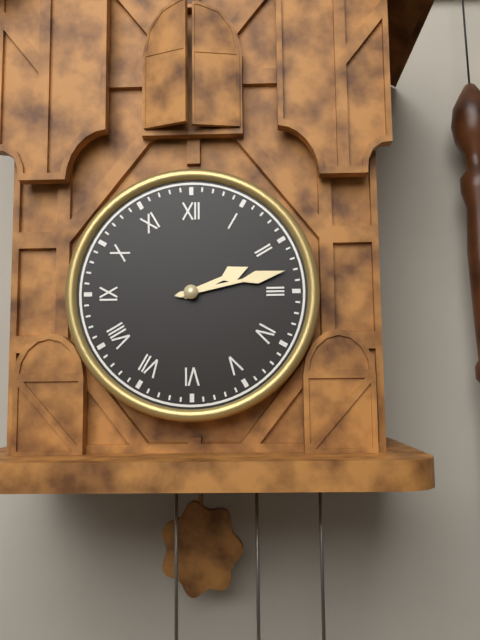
**2:13**
